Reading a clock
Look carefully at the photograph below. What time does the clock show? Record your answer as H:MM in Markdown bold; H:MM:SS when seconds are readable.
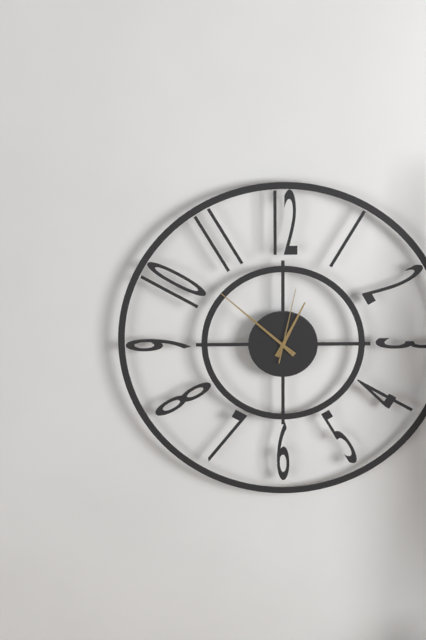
**12:52:02**
